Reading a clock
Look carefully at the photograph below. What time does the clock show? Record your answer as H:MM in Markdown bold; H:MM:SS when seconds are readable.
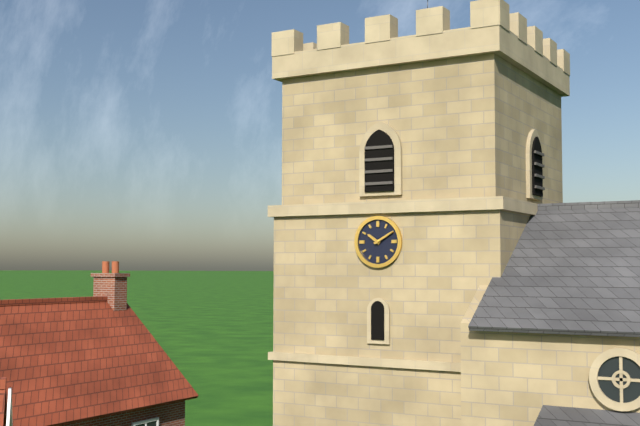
**10:10**
